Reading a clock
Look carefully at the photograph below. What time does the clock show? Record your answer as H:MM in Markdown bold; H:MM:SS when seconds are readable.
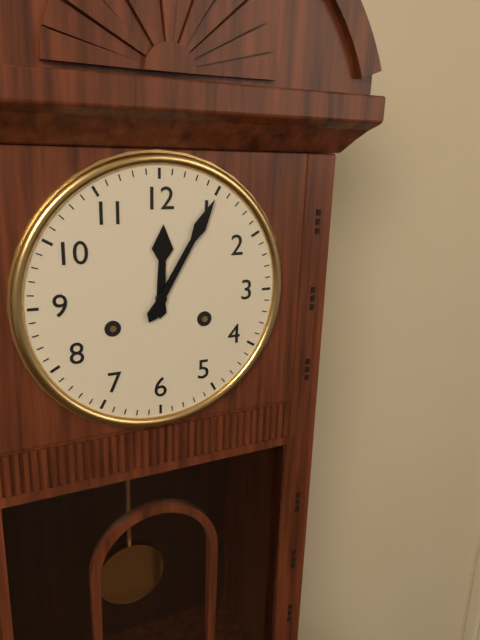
**12:05**
